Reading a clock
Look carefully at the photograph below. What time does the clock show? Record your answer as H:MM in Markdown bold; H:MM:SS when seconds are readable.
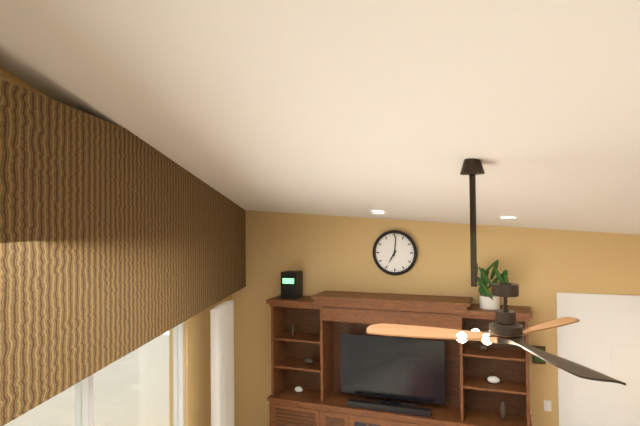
**7:01**
